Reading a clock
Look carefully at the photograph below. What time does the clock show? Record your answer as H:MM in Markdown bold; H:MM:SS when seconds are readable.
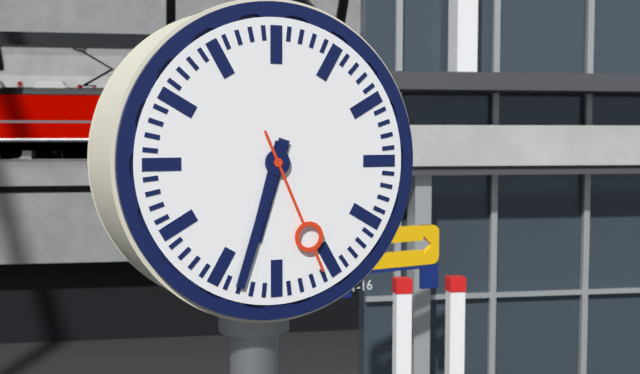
**6:33:26**
